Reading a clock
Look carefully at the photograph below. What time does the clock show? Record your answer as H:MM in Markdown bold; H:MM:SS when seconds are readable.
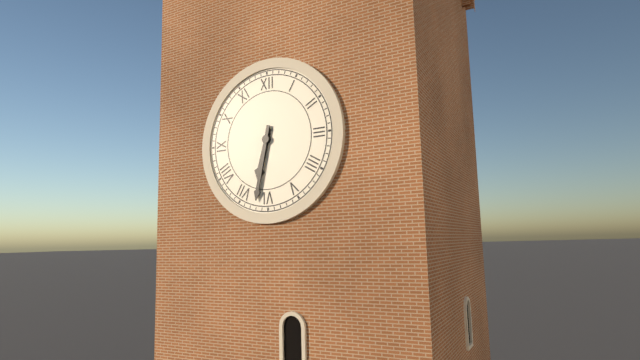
**6:32**
